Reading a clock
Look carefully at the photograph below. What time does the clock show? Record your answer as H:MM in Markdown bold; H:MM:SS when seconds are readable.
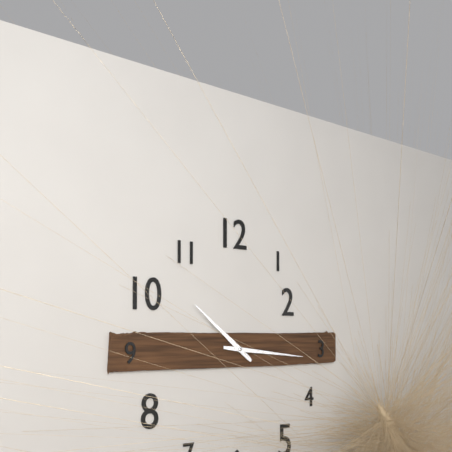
**10:16**
